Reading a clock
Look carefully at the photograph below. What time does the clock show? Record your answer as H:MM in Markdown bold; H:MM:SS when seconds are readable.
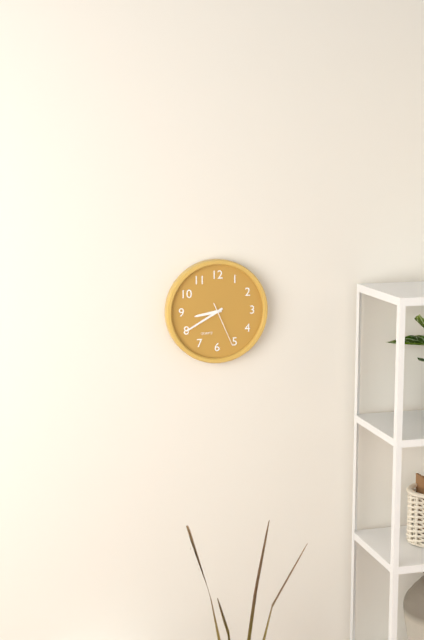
**8:40**
